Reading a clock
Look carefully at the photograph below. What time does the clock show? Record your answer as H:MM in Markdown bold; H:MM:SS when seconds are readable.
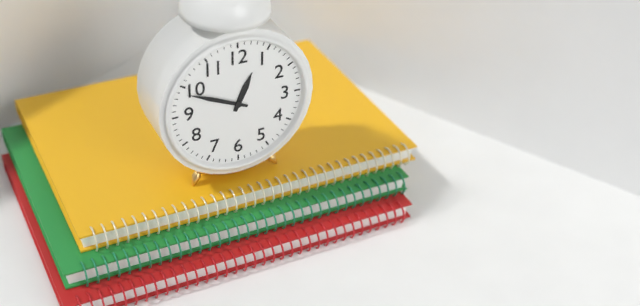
**12:49**
